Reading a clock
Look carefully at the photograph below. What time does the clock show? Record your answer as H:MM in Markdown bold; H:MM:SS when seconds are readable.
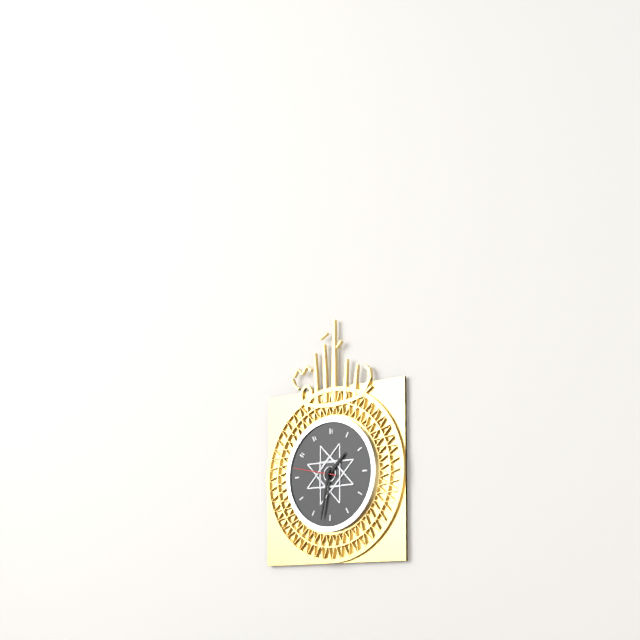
**1:32:47**
